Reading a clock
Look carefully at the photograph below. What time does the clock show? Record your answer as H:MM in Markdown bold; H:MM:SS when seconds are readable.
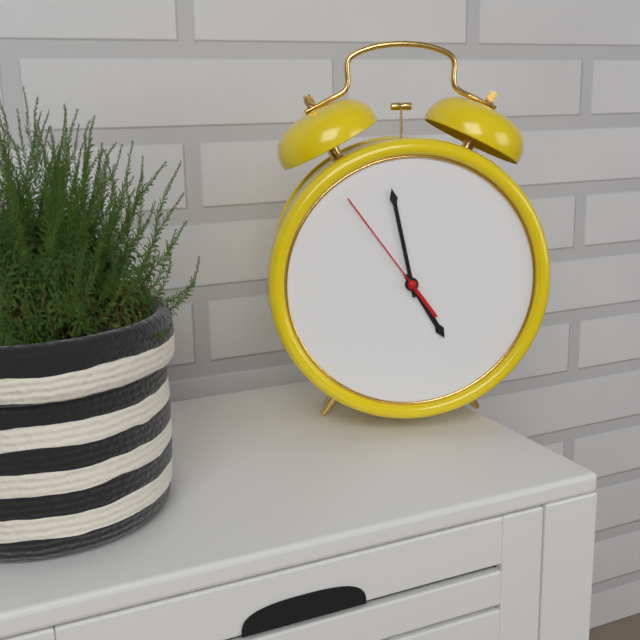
**4:58:54**
